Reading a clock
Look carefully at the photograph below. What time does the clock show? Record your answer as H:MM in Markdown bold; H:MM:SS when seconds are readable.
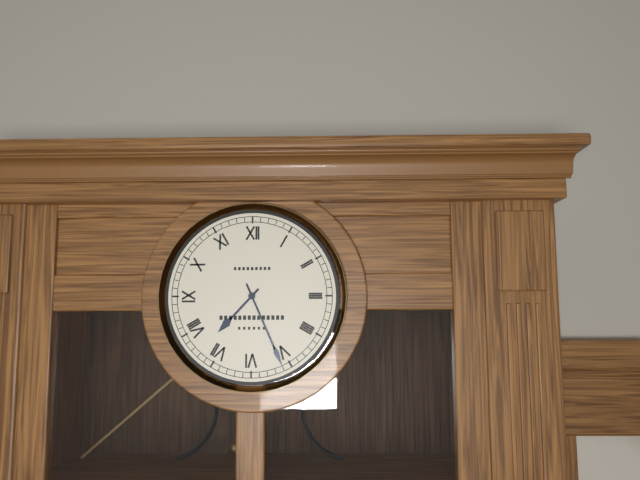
**7:26**
